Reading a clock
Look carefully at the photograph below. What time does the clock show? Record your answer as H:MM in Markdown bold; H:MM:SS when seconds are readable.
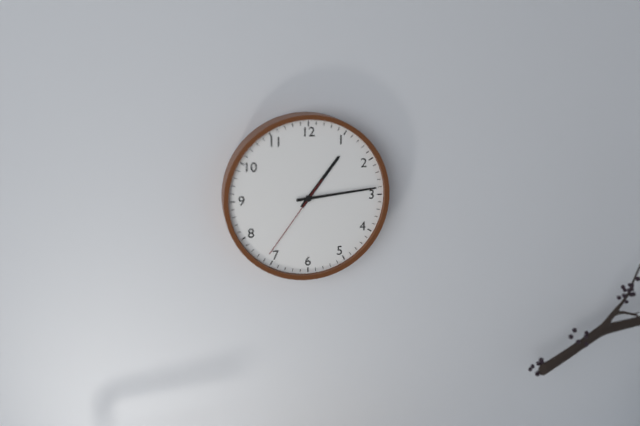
**1:14:36**
